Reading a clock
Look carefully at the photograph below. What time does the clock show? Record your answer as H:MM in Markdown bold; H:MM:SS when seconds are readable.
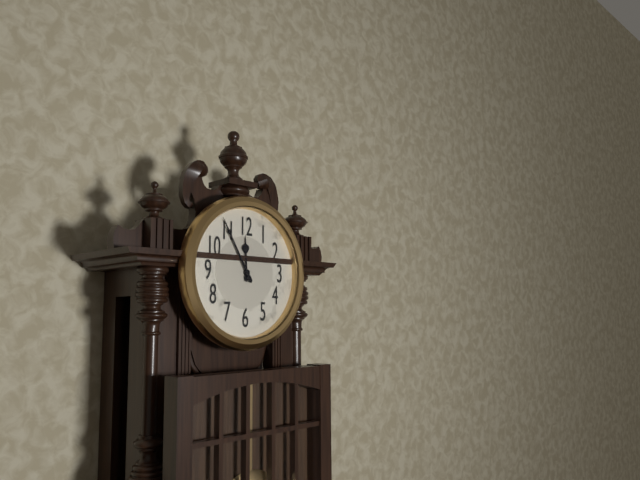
**11:55**
